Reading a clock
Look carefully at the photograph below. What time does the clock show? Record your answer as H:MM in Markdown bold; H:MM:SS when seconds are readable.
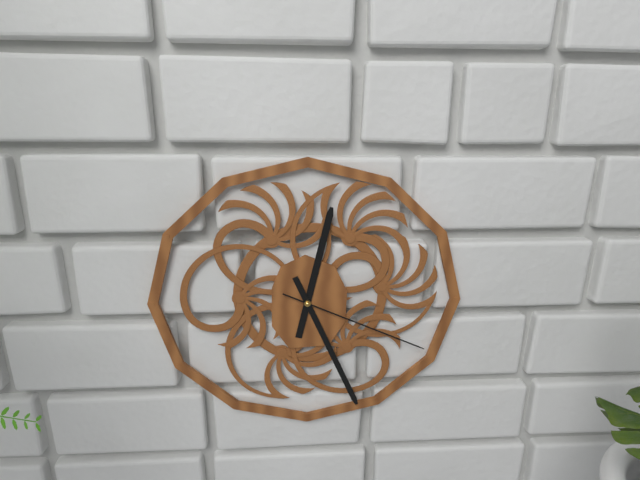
**12:26:19**
